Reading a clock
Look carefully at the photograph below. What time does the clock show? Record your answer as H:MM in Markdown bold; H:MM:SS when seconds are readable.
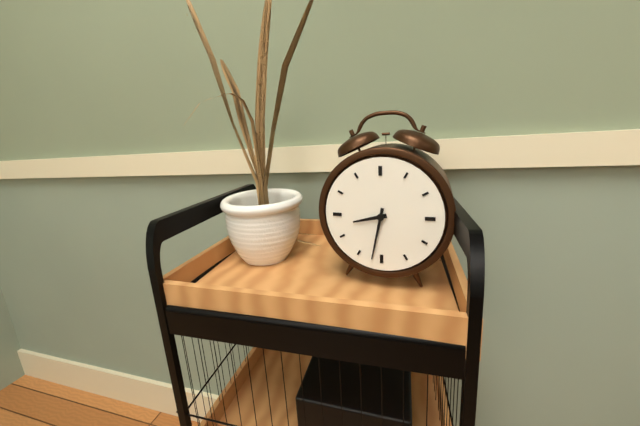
**8:32**
